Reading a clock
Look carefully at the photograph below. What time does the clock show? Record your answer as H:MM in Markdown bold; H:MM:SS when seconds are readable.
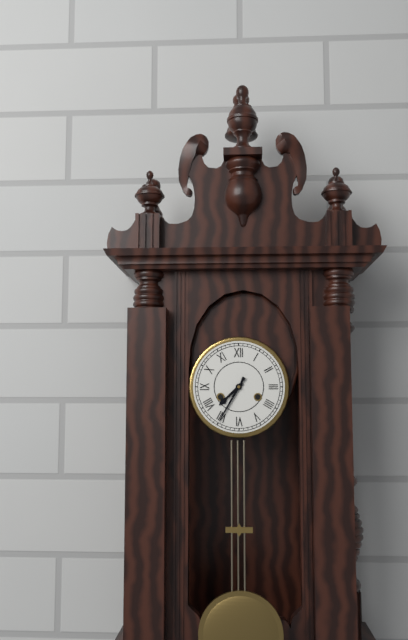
**7:35**
